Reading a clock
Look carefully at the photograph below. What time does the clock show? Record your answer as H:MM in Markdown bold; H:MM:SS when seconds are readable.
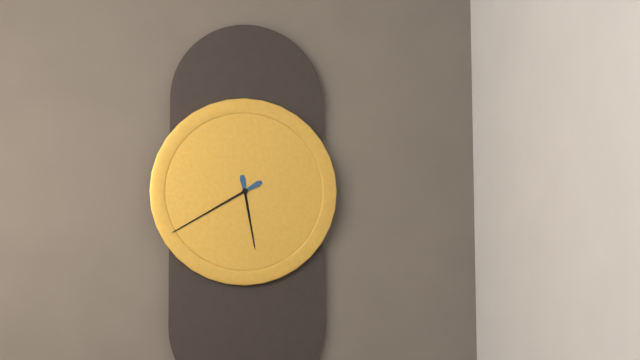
**5:40**
